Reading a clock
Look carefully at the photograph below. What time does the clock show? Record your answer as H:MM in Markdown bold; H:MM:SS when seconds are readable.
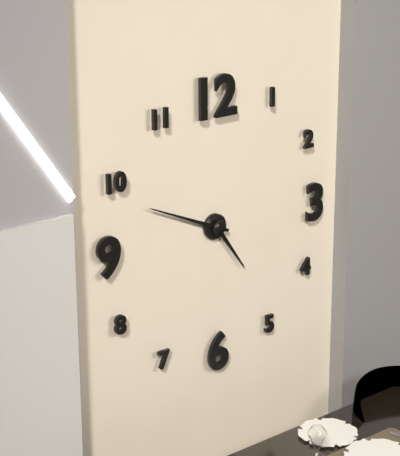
**4:49**
